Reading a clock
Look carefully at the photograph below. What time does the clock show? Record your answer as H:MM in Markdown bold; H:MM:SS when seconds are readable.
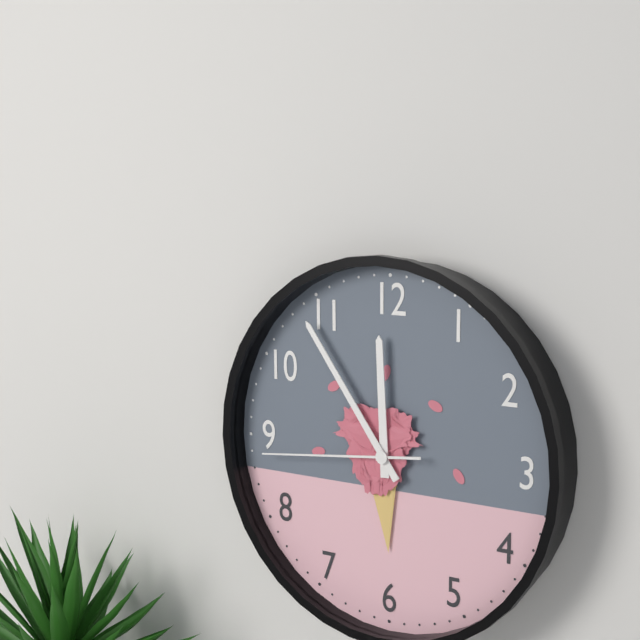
**11:54:44**
